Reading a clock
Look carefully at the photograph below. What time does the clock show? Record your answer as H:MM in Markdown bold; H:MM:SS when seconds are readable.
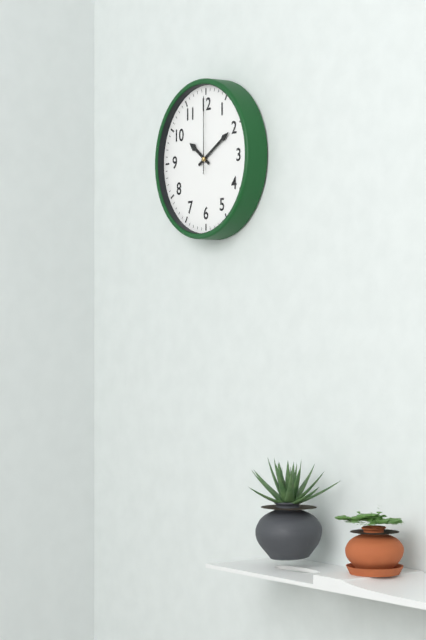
**10:10:00**
